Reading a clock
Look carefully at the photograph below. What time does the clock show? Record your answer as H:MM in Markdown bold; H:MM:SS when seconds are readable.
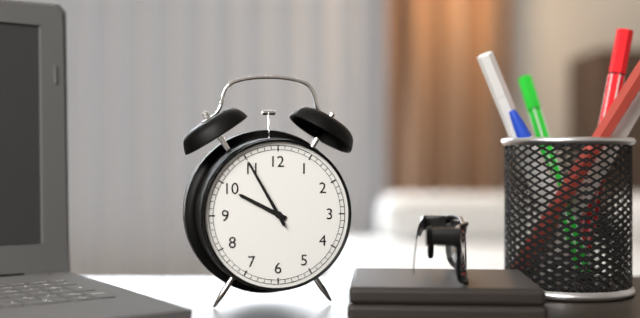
**9:55:55**
